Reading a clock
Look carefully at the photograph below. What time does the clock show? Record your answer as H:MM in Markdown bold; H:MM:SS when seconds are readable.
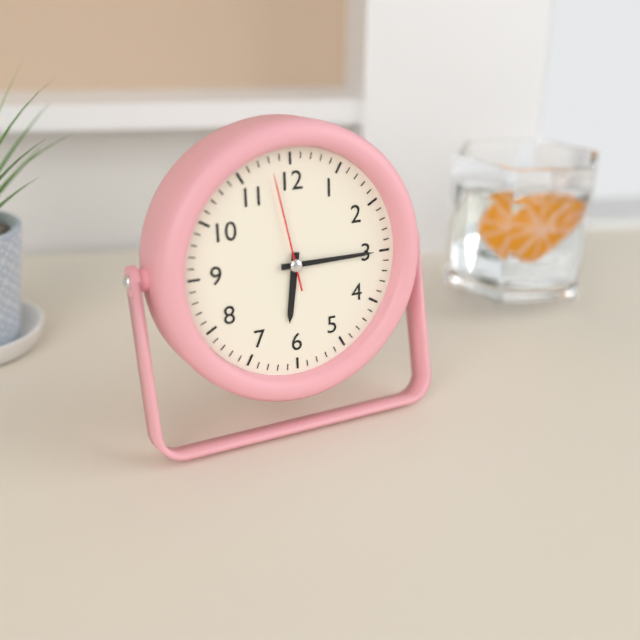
**6:15:58**
